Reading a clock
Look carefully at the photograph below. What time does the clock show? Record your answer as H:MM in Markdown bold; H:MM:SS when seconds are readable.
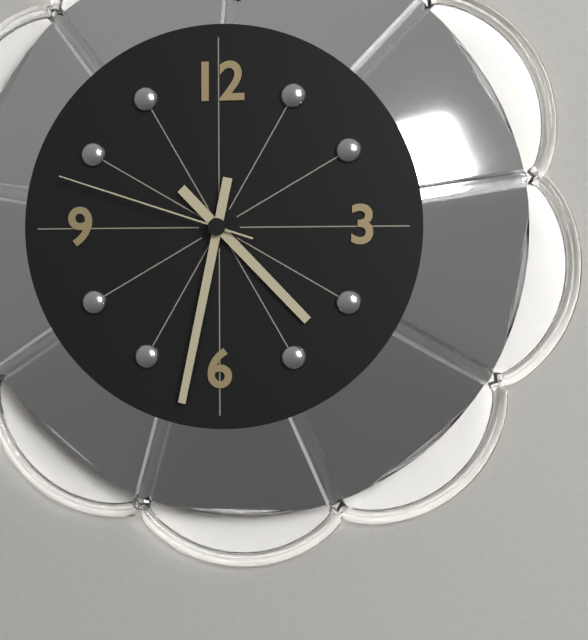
**4:32:48**
